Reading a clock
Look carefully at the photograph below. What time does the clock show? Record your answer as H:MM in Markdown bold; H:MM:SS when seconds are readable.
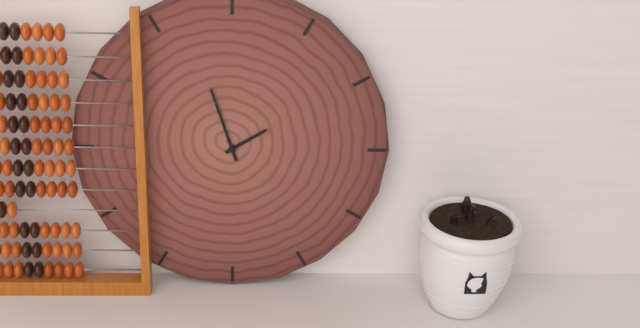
**1:57**
